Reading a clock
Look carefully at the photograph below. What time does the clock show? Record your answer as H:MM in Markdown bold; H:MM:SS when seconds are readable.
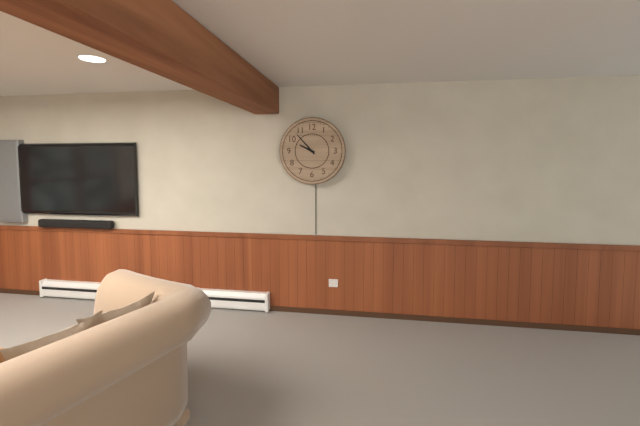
**9:53**
